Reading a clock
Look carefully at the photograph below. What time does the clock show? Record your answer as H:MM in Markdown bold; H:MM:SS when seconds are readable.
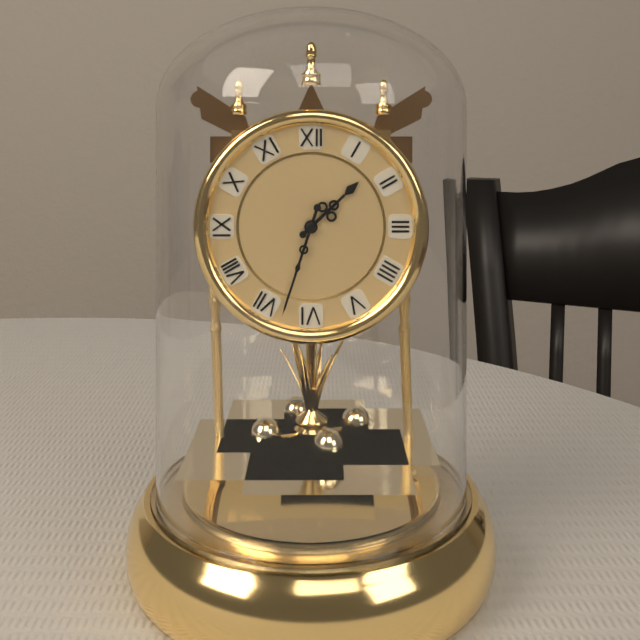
**1:33**
